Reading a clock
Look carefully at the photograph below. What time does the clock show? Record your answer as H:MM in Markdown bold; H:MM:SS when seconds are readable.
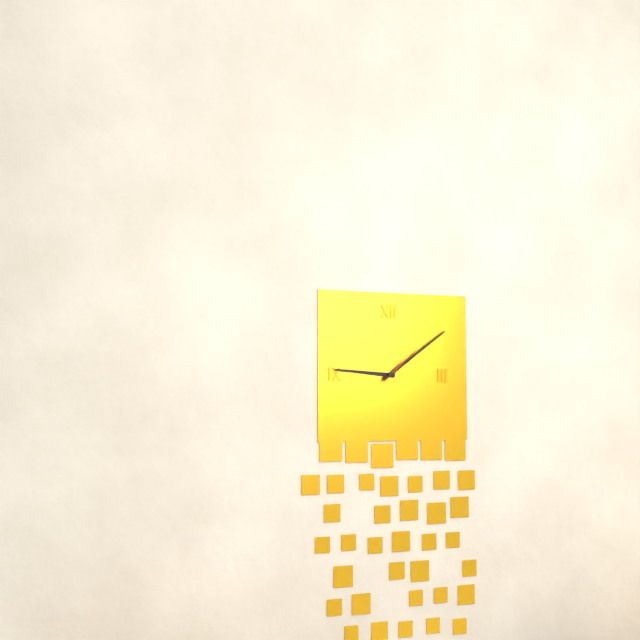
**9:09**
